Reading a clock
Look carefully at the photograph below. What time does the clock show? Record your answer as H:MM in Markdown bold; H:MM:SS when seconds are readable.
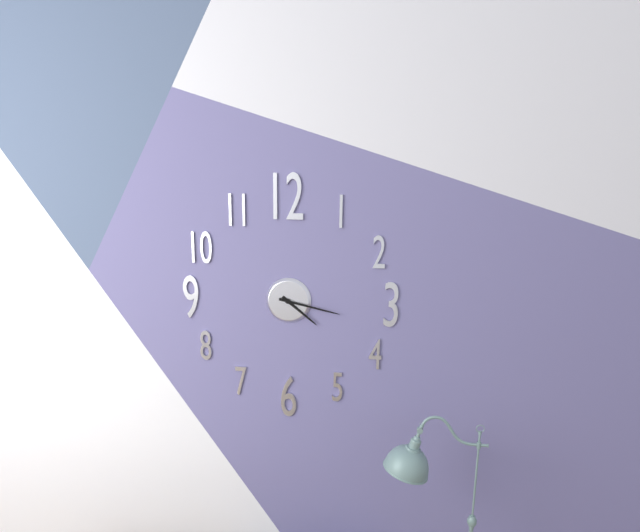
**4:17**
